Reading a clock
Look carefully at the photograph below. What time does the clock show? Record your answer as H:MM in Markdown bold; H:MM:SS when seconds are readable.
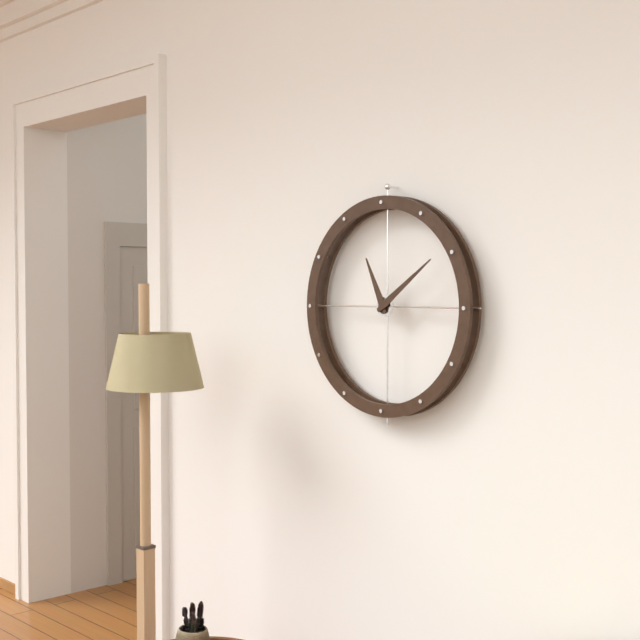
**11:09**
